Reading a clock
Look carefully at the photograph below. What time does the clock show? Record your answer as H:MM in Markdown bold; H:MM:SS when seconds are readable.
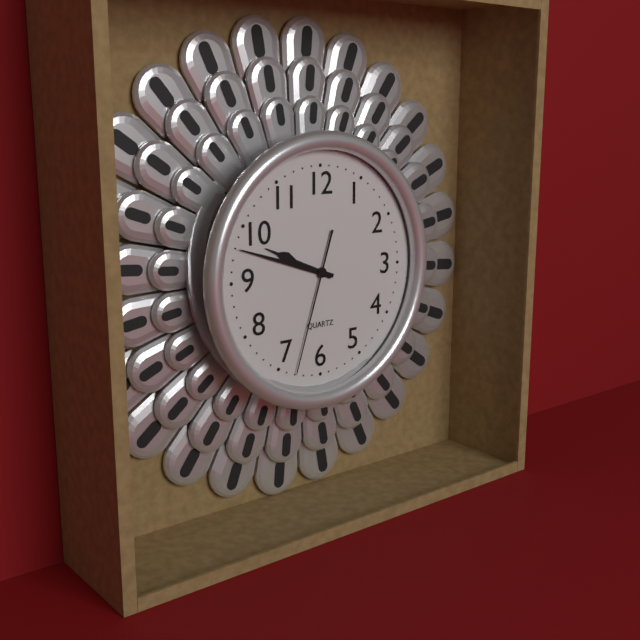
**9:48:33**
